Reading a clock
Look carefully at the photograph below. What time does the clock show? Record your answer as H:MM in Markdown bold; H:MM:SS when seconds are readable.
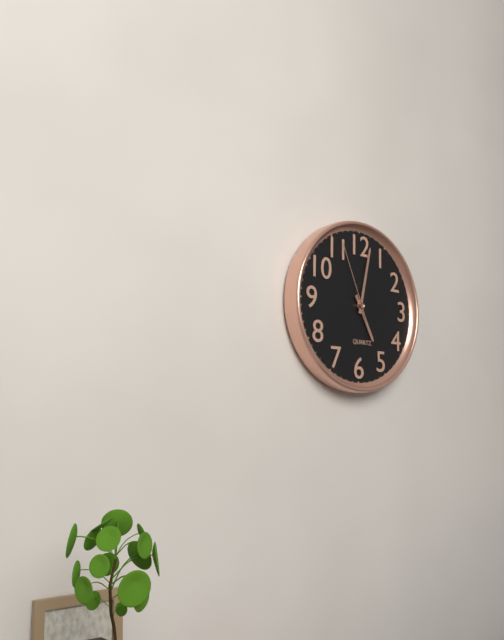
**5:02:56**
